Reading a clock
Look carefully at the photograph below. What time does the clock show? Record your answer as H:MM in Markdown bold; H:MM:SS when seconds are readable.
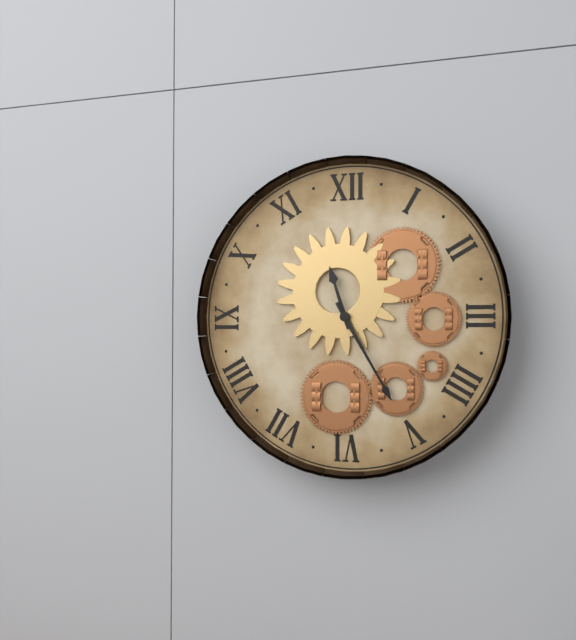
**11:25**
